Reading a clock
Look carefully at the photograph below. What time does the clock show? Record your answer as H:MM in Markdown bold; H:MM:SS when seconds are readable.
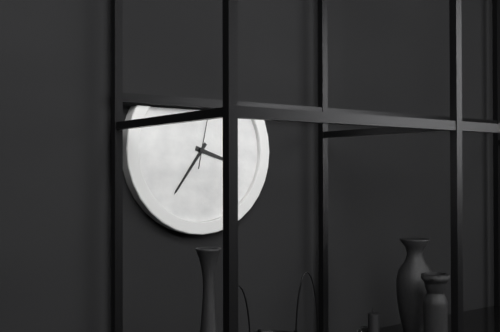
**3:36**
